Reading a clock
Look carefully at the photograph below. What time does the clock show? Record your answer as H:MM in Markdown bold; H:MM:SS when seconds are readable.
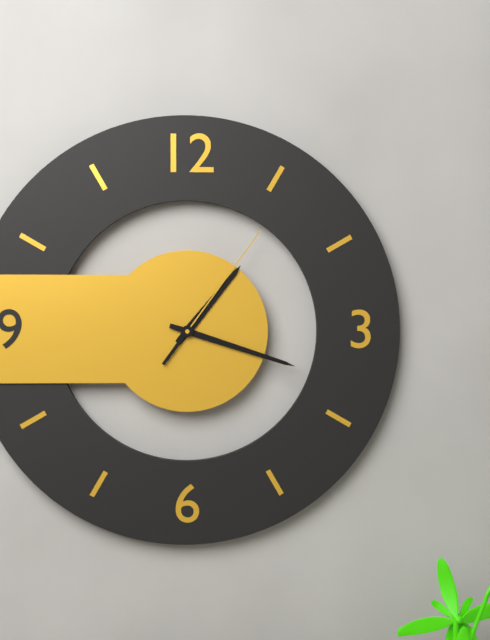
**1:18:06**
